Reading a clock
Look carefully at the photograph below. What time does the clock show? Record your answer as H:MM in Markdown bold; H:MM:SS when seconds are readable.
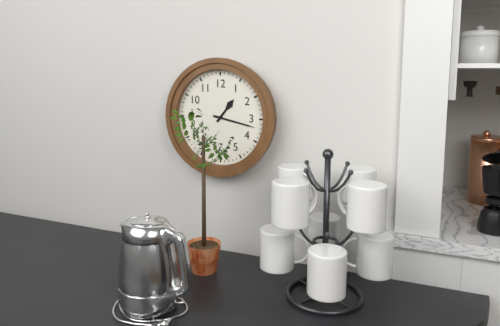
**1:17**
